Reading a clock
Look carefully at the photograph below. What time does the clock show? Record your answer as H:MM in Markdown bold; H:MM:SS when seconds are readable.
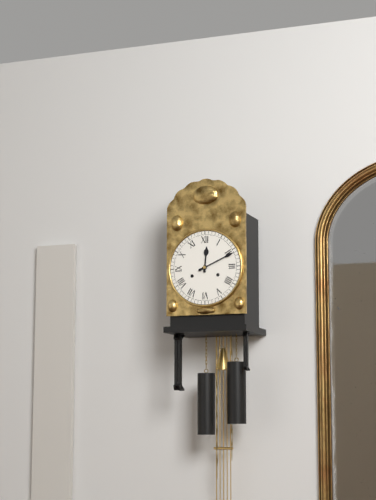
**12:11**
